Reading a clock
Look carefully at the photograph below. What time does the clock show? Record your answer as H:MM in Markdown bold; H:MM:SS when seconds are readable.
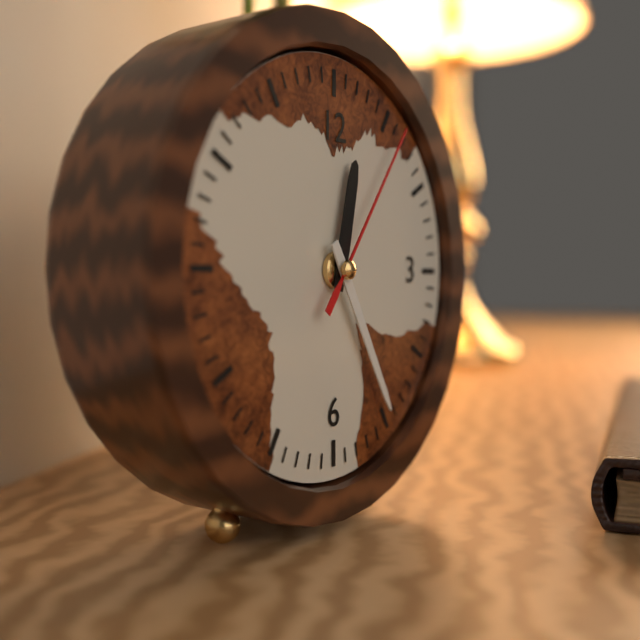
**12:25:06**
